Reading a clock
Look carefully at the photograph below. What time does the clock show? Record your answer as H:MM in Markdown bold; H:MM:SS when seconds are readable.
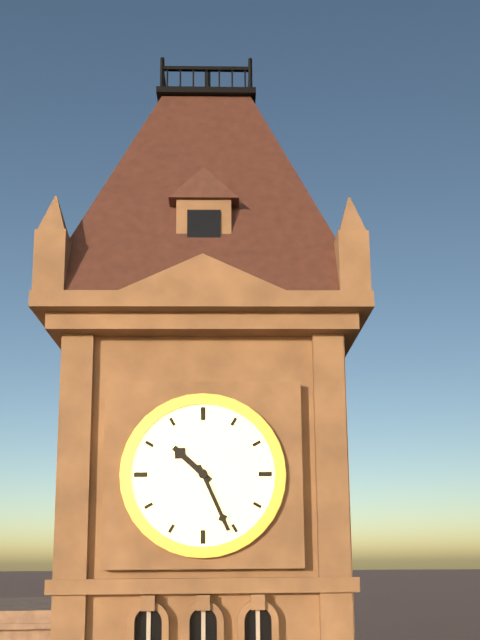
**10:26**
